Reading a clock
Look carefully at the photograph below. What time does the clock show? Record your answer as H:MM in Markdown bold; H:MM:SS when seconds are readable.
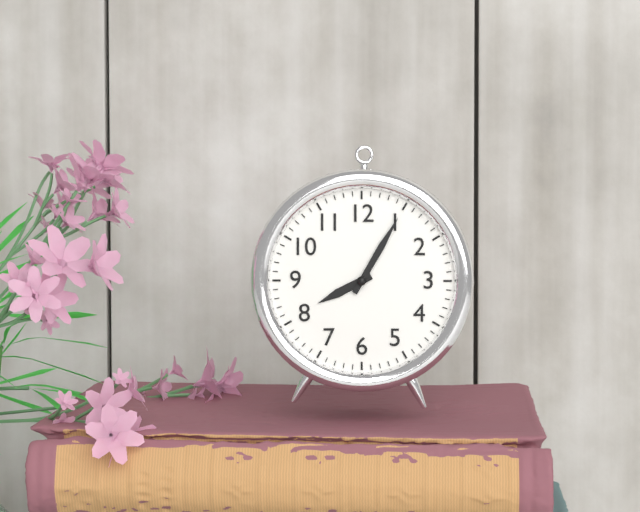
**8:05**
